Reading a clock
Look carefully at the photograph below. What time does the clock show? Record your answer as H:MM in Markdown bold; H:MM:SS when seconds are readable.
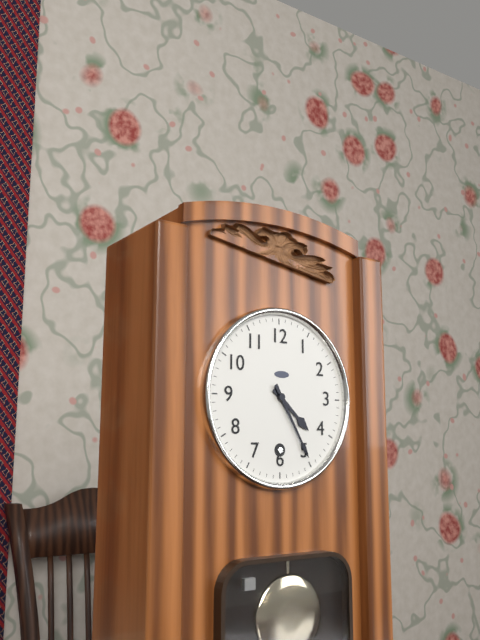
**4:25**
